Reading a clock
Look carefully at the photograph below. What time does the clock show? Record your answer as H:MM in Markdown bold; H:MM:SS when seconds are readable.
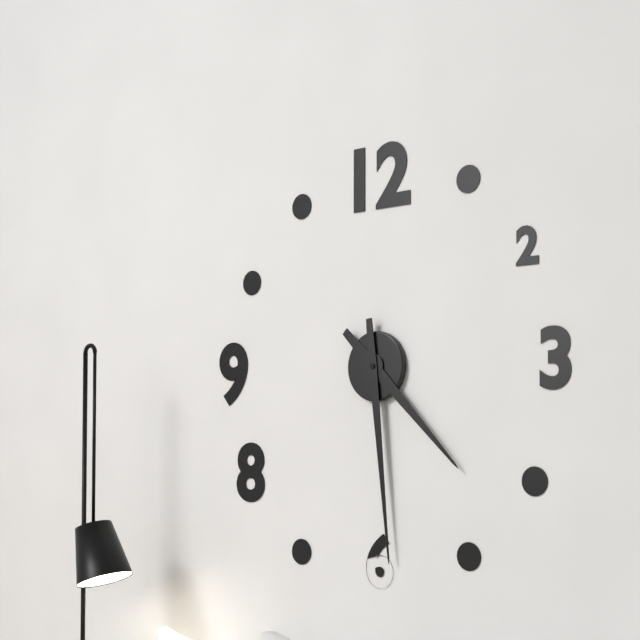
**4:29**
